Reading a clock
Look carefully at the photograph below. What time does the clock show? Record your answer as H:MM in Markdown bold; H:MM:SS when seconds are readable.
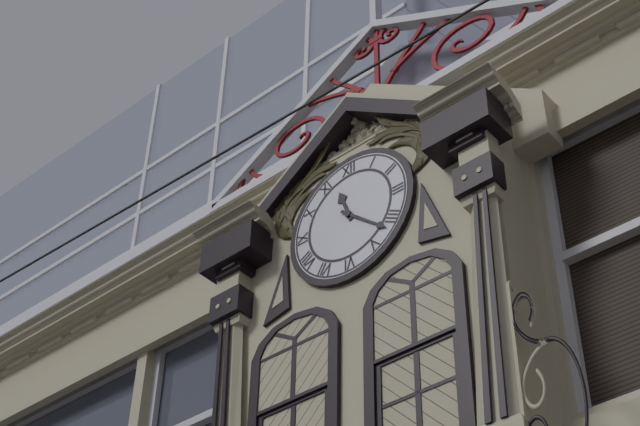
**11:22**
